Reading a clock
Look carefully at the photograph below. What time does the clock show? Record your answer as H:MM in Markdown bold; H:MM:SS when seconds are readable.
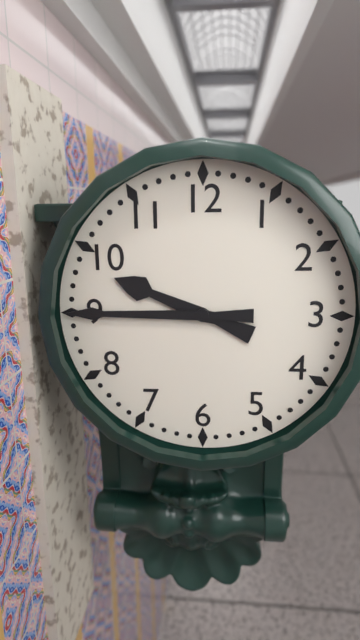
**9:45**
